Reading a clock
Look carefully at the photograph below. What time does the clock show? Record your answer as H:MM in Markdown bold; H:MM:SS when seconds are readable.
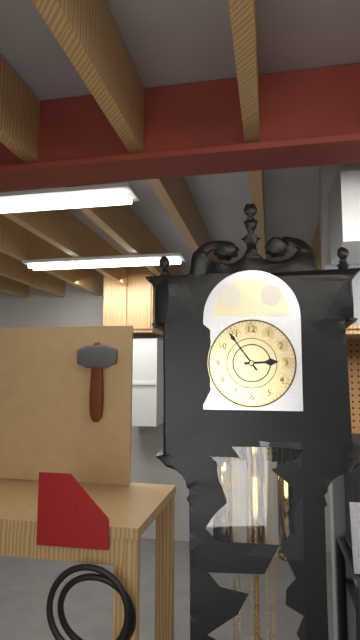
**2:54**
